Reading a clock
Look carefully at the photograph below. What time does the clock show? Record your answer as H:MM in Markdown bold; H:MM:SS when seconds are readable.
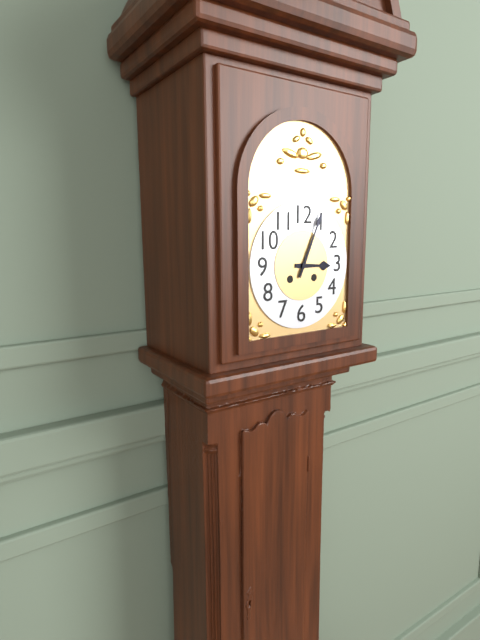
**3:04**
